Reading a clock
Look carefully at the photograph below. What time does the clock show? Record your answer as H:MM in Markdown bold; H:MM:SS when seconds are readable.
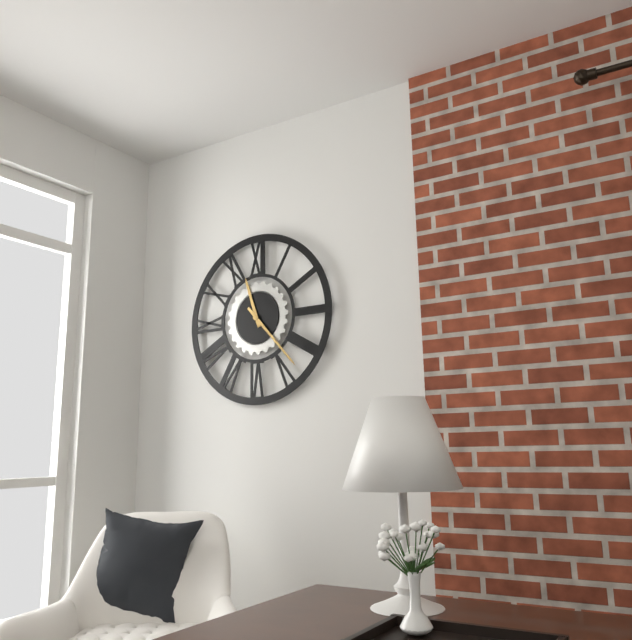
**11:23**
